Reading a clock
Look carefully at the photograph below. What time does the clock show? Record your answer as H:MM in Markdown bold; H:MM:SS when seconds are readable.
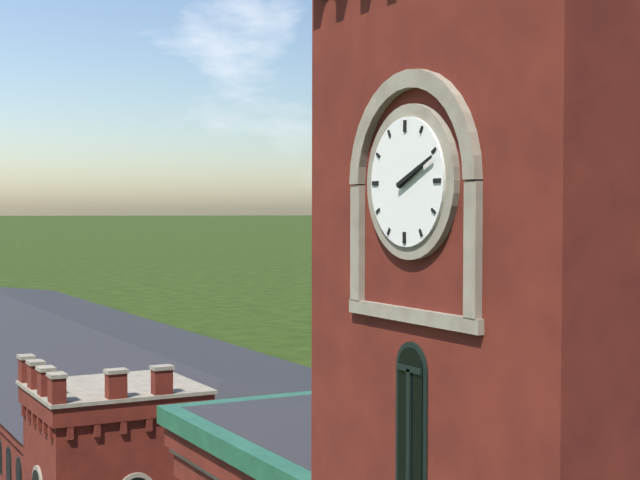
**2:11**
